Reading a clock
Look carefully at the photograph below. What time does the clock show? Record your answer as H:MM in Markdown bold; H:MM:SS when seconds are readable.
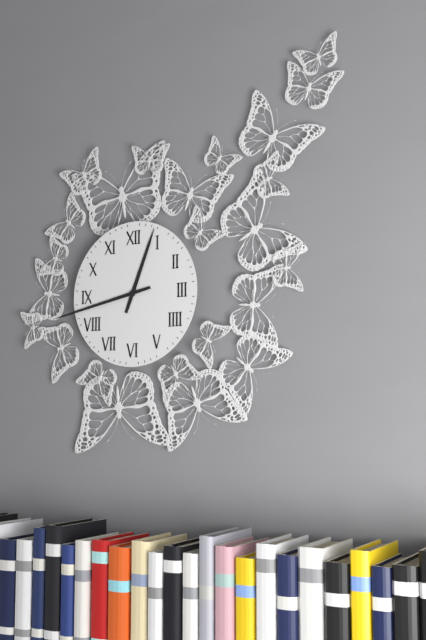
**12:43**
